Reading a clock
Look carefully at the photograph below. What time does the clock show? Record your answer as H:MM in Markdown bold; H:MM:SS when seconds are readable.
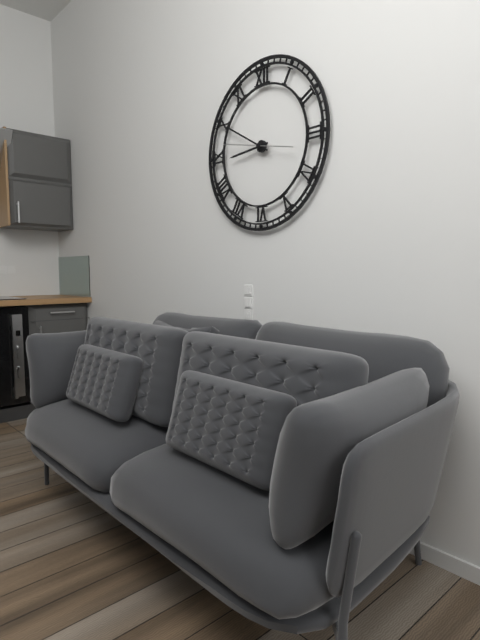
**8:50:47**
